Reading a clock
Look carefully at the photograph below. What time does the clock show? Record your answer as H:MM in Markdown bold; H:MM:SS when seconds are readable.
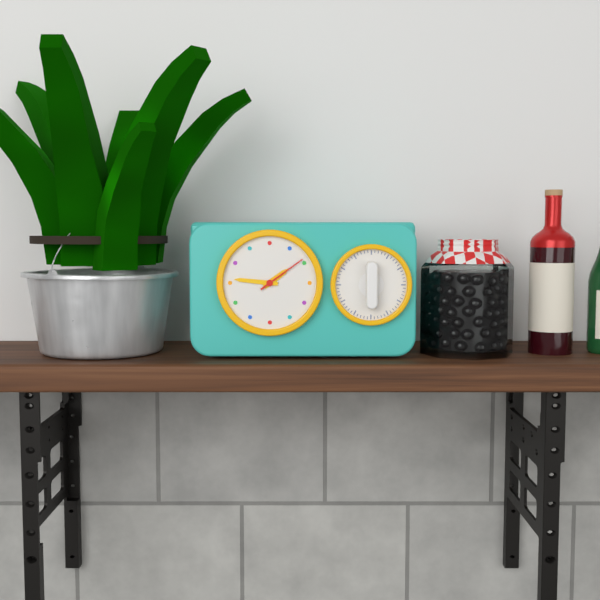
**1:46:09**
